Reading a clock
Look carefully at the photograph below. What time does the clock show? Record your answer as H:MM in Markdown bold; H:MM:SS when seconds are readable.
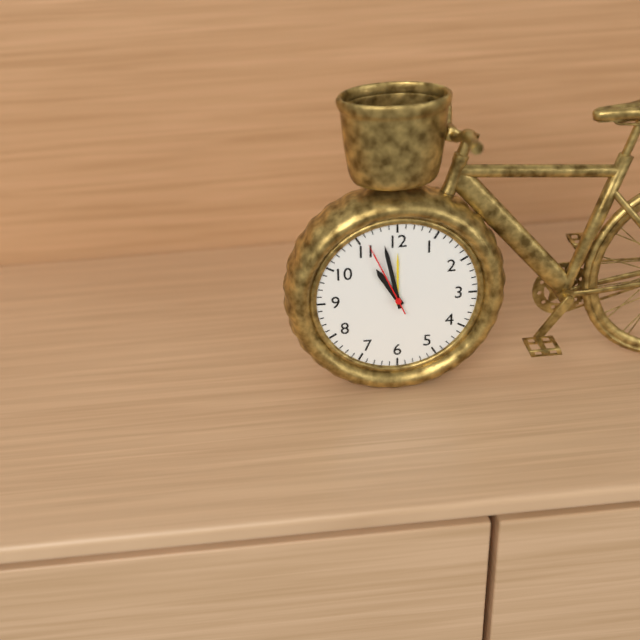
**10:58:56**
